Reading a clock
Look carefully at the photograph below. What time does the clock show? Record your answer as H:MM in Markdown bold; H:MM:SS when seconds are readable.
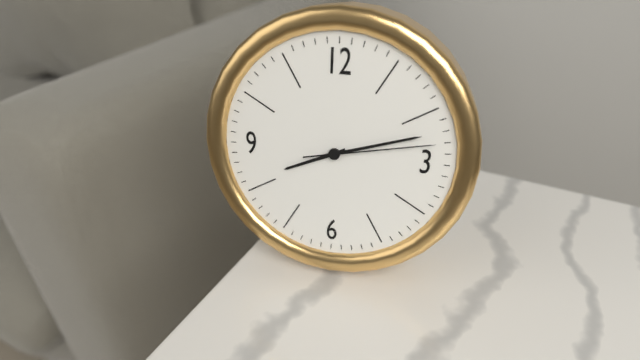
**8:12:13**
